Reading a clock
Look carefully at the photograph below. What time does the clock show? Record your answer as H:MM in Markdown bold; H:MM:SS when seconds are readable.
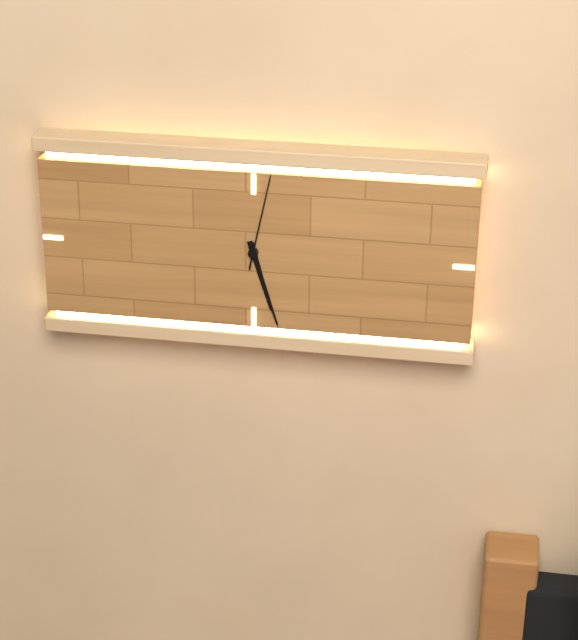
**5:27:02**
